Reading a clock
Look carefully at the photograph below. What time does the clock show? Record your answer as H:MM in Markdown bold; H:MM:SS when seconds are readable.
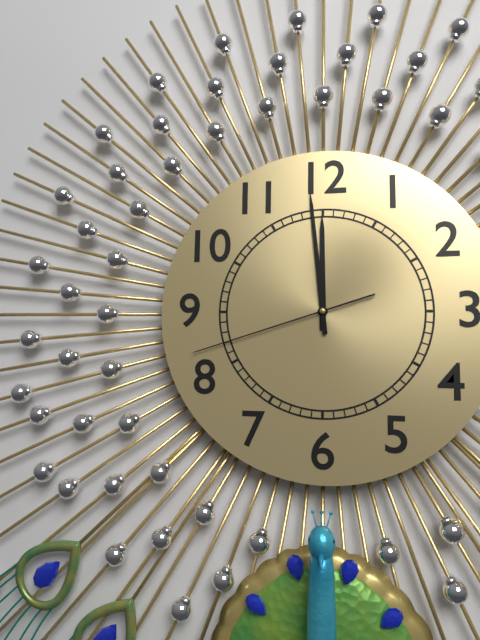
**11:59:42**
